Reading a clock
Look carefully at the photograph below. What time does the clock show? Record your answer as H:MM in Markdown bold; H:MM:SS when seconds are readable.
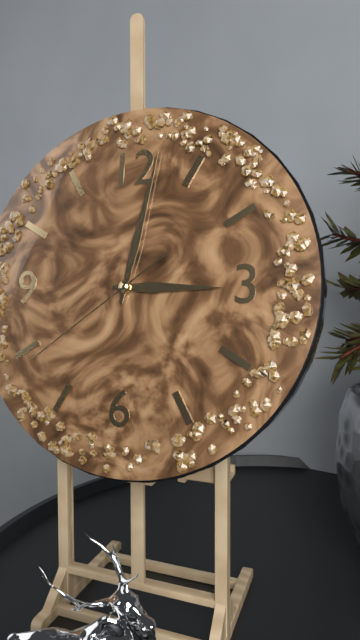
**3:02:39**
